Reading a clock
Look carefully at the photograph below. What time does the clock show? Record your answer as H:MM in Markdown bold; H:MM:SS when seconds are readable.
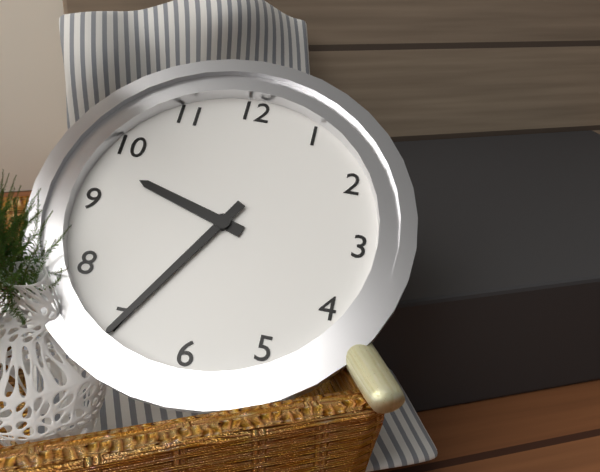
**9:35**
